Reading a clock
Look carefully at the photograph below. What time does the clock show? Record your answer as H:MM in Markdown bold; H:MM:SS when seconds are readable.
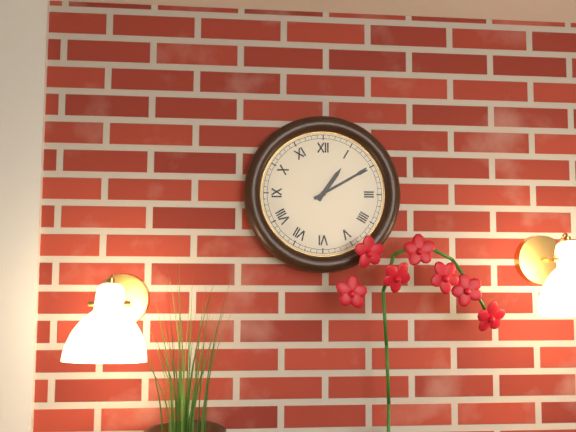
**1:10**
